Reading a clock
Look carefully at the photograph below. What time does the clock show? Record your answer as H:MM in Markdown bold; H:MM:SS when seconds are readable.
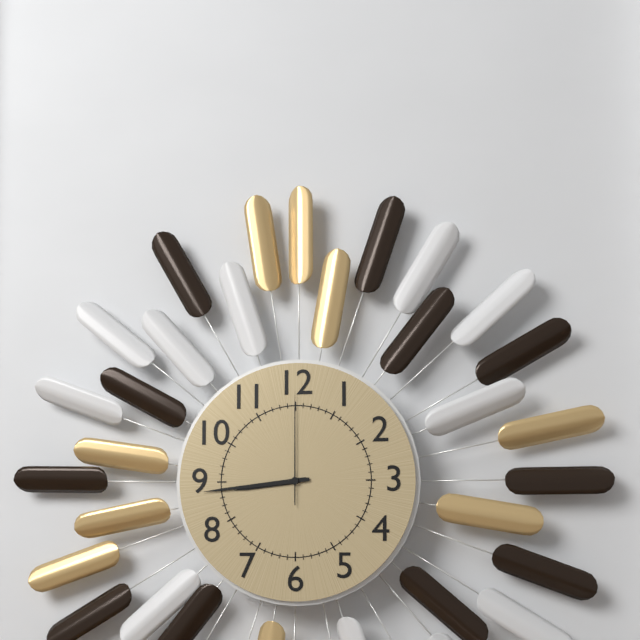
**8:44:00**
